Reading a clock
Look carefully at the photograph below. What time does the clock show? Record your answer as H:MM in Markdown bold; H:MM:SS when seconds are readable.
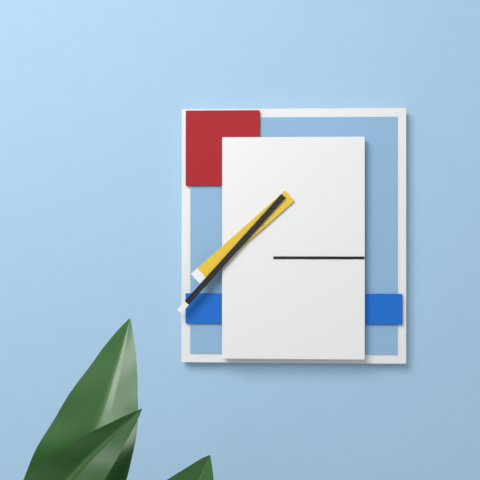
**7:37**
